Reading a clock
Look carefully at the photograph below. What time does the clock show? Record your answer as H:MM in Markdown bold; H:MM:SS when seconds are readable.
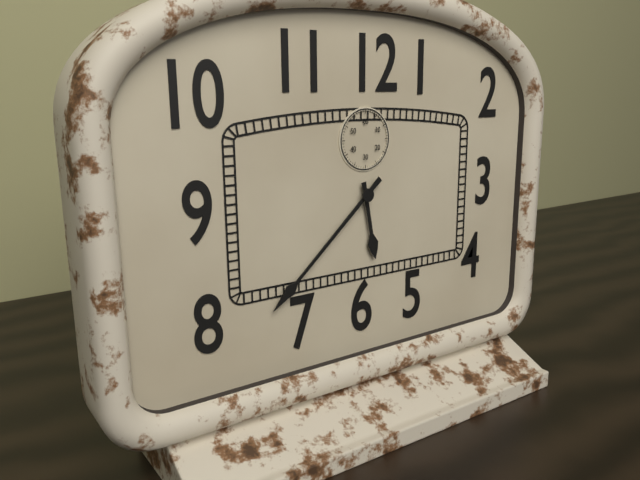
**5:38**
